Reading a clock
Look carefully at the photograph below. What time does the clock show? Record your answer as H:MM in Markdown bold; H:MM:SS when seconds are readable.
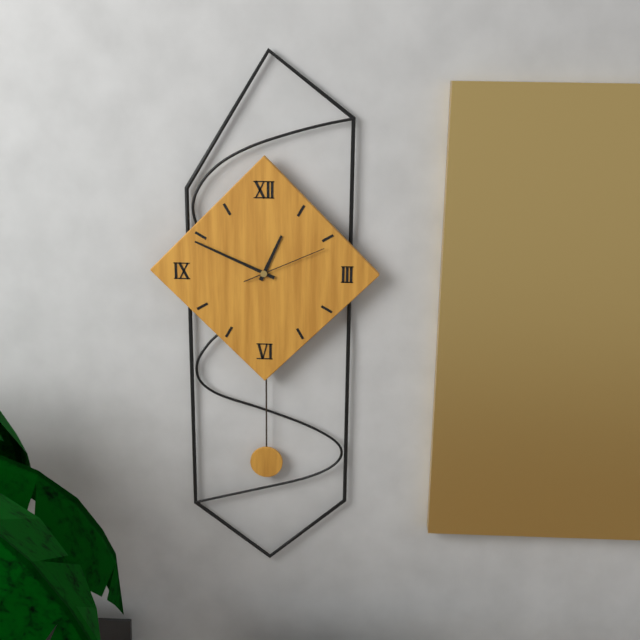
**12:49:11**
